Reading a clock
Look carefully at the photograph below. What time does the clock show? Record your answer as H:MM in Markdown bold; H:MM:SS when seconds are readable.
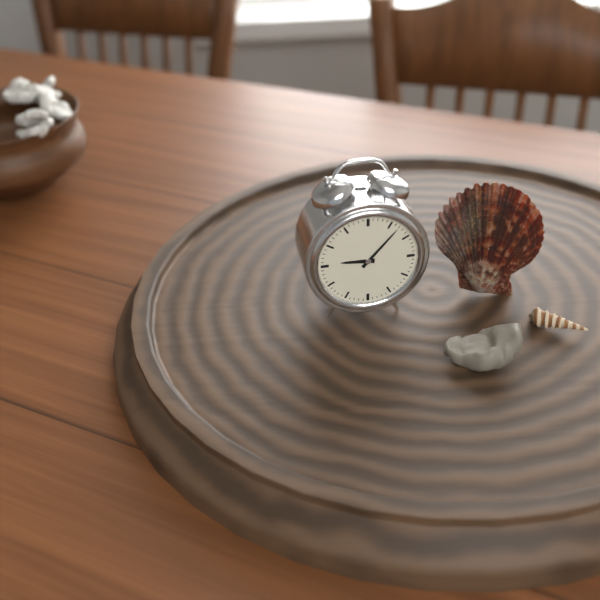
**9:07**
